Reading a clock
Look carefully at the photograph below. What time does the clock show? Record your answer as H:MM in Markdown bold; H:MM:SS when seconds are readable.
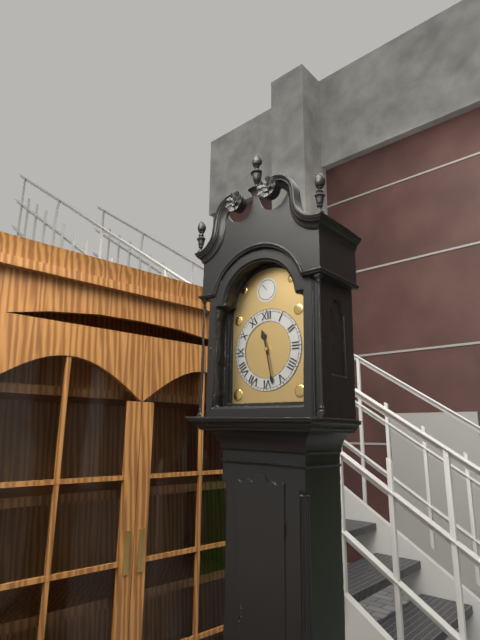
**11:28**
